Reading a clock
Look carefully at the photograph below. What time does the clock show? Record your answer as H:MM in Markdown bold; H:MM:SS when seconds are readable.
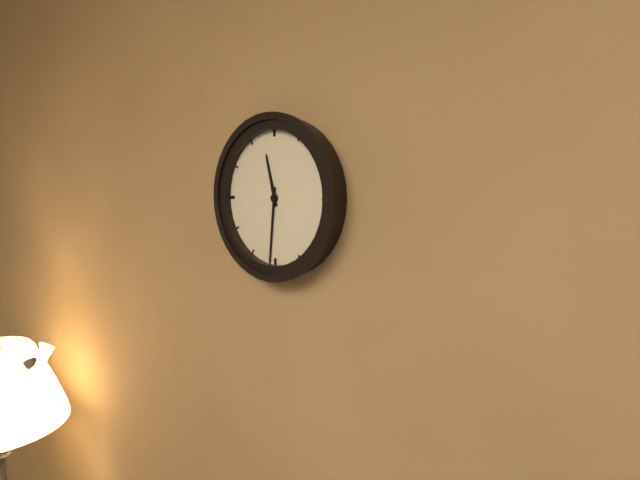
**11:31**
